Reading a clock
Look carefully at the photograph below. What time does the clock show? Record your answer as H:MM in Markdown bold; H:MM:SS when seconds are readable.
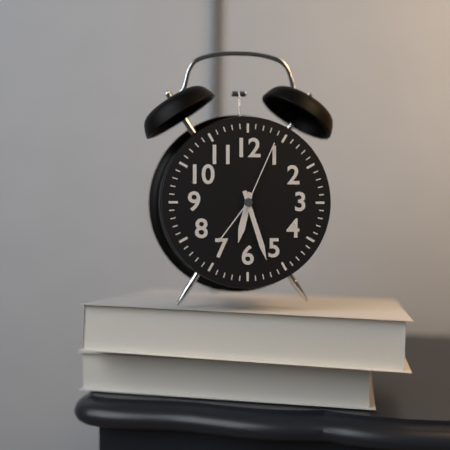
**6:27:04**
